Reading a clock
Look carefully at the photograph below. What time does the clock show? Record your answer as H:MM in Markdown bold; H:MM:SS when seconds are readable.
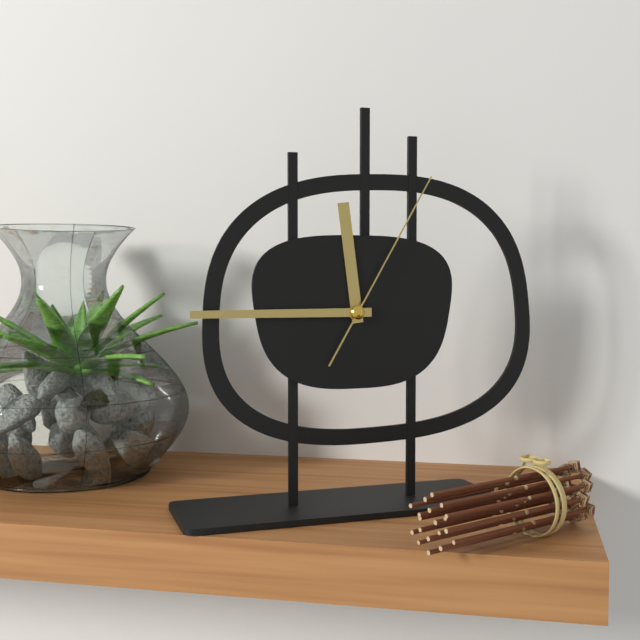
**11:45:05**
